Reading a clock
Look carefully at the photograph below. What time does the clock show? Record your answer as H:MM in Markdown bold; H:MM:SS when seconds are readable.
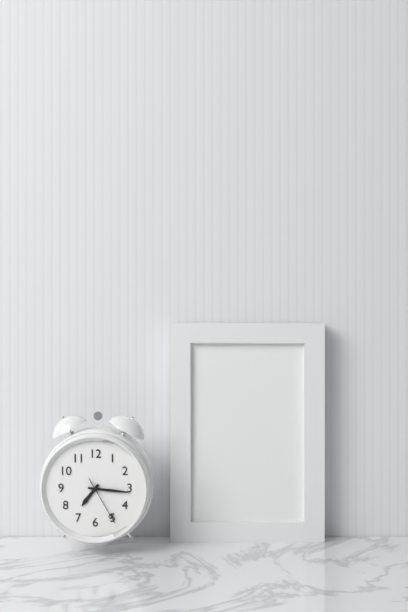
**7:16**
